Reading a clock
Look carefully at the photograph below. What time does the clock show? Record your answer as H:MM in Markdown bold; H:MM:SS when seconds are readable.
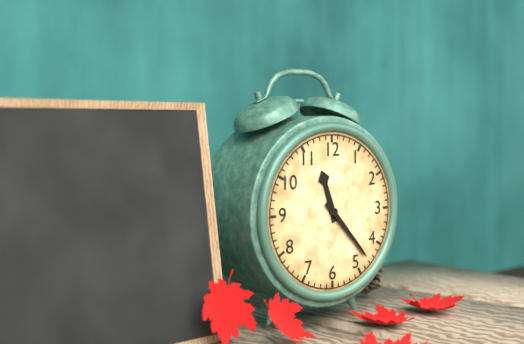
**11:23**
